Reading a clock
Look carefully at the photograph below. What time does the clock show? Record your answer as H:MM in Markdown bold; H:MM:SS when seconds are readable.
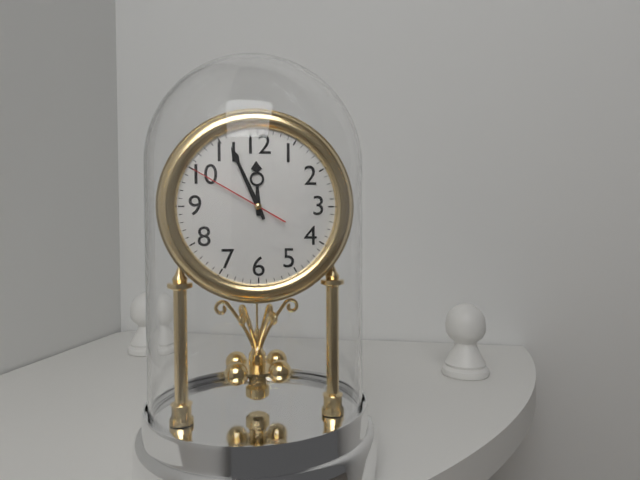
**11:56:50**
